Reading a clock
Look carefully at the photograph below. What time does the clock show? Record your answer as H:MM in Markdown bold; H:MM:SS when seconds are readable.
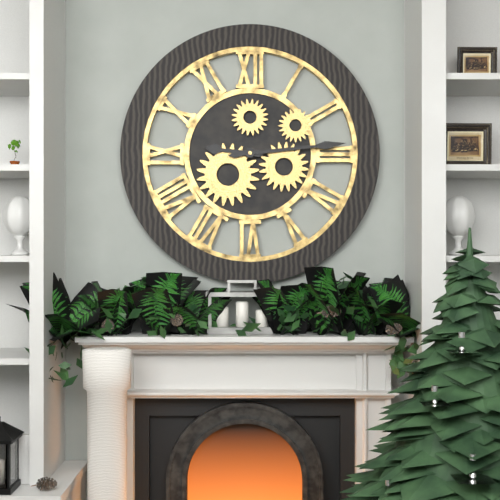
**9:14**
